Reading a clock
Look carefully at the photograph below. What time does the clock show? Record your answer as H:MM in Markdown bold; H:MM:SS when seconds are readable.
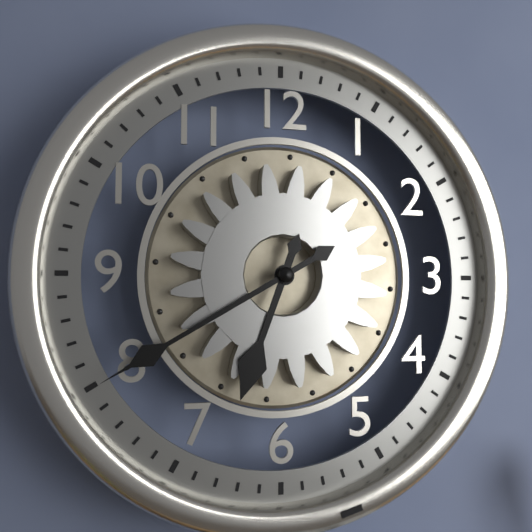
**6:40**
